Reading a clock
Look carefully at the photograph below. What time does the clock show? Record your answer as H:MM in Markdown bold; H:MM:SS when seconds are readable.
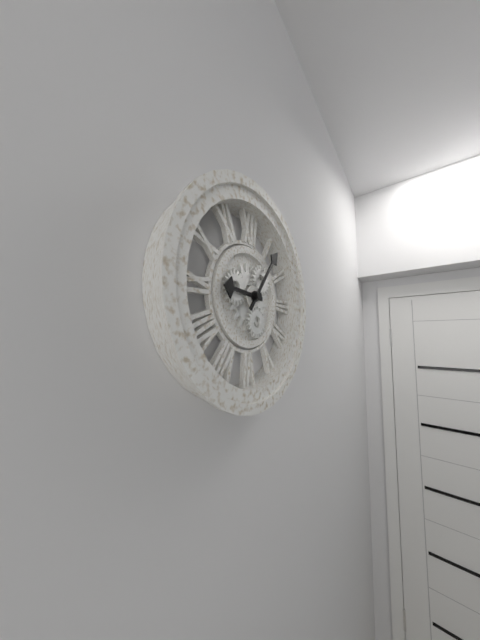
**9:06**
